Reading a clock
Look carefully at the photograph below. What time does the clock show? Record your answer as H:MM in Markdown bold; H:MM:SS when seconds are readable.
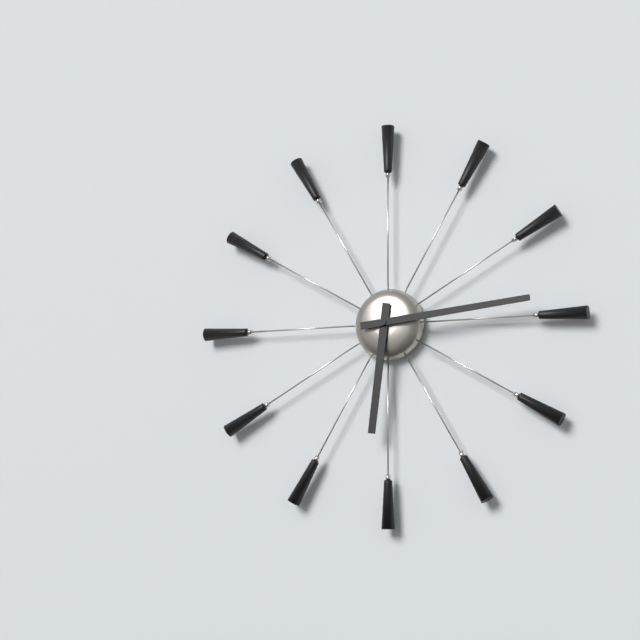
**6:14**
